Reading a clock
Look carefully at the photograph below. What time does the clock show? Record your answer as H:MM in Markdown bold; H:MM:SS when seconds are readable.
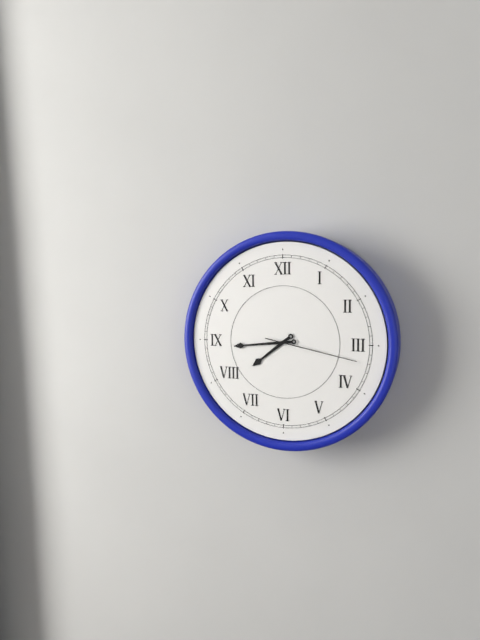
**7:44:17**
